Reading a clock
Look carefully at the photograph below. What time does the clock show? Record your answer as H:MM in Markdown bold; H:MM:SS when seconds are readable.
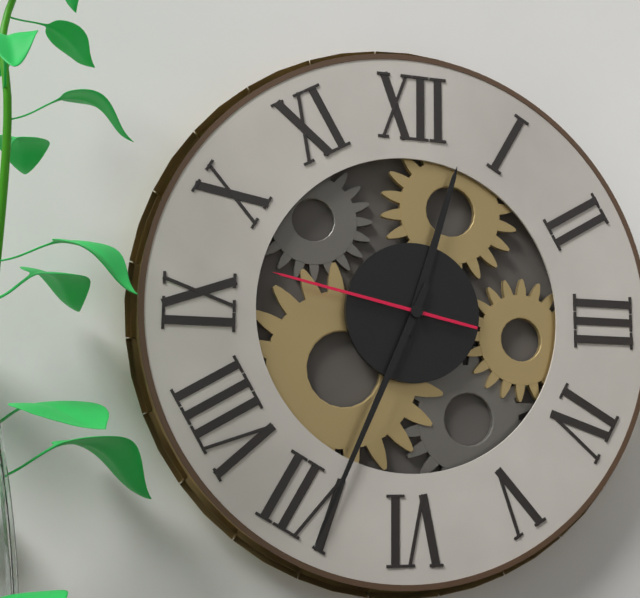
**12:34:47**
